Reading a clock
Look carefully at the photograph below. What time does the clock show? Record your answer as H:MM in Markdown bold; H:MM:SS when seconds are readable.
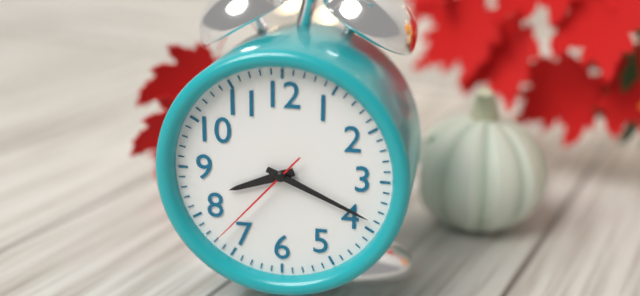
**8:19:37**
